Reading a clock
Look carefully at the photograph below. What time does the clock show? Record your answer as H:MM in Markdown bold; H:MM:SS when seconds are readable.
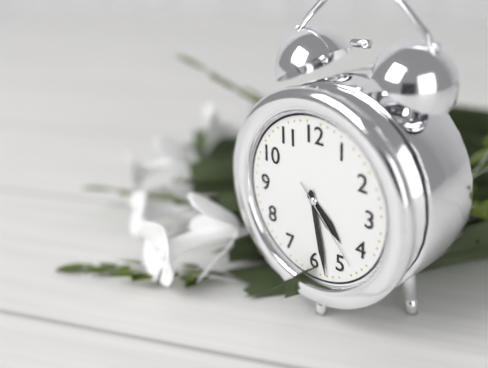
**4:28:23**
